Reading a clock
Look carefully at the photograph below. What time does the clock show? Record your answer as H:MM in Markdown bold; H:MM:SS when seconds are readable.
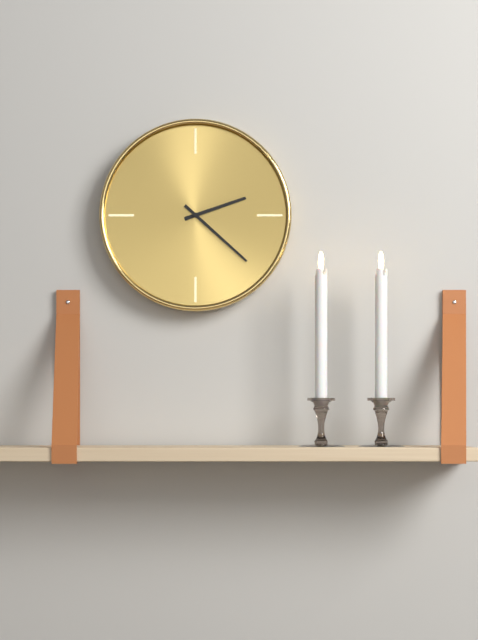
**2:22**
